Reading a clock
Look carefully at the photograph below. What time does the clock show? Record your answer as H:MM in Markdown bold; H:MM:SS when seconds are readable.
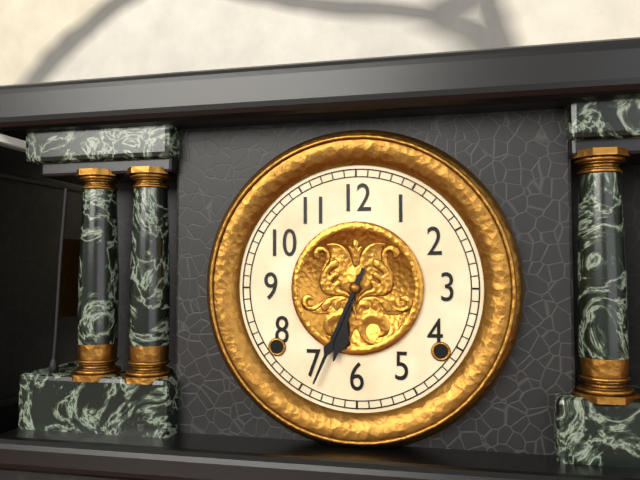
**6:34**
